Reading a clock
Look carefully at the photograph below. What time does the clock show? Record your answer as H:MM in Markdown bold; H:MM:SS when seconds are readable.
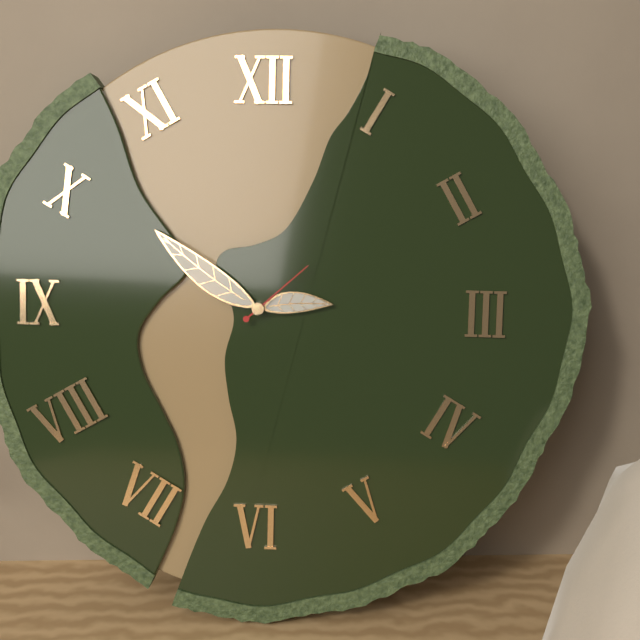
**2:51:08**
